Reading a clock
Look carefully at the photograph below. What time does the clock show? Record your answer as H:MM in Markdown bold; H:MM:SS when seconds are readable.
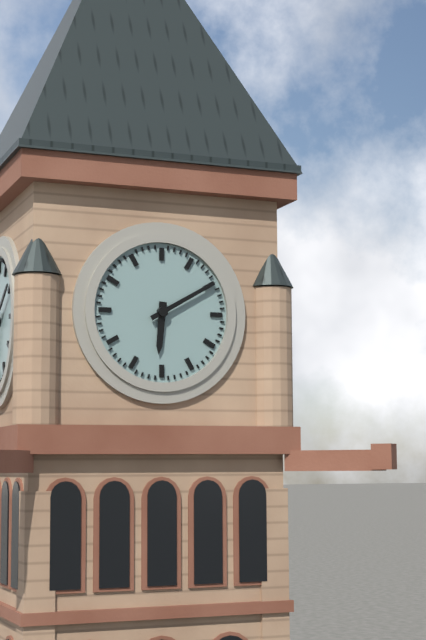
**6:10**
